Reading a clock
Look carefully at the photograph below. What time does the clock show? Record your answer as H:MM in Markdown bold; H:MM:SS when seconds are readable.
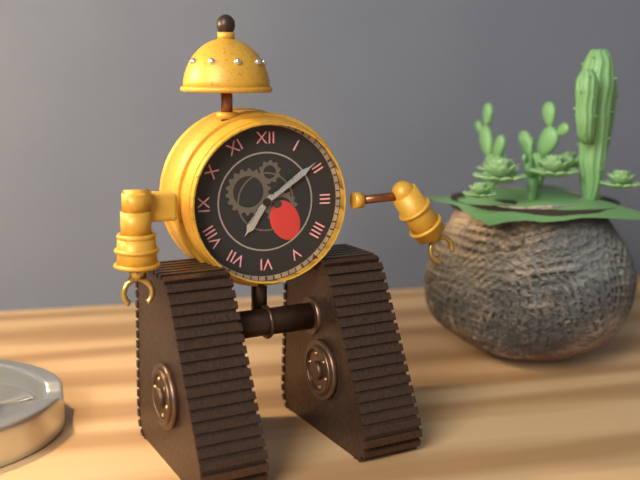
**7:09**
